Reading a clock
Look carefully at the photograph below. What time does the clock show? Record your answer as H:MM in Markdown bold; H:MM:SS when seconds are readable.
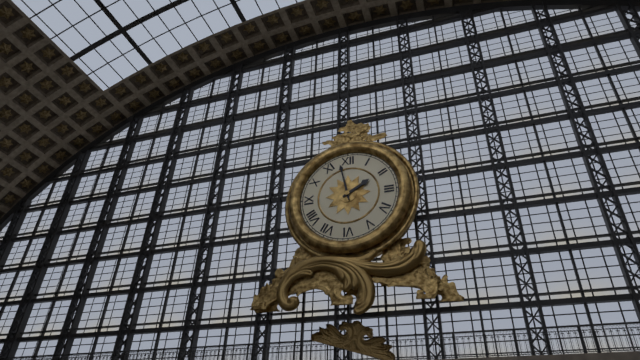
**1:58**
